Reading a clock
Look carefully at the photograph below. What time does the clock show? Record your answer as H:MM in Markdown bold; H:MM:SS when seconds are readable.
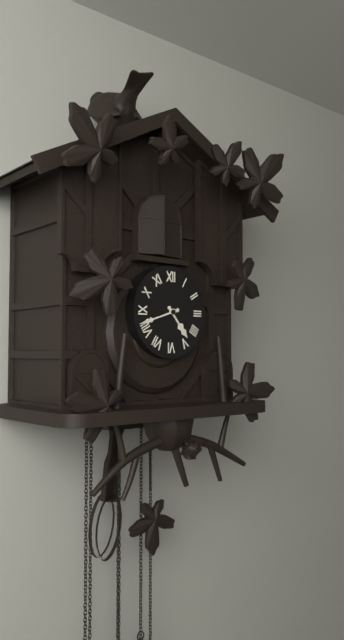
**4:42**
